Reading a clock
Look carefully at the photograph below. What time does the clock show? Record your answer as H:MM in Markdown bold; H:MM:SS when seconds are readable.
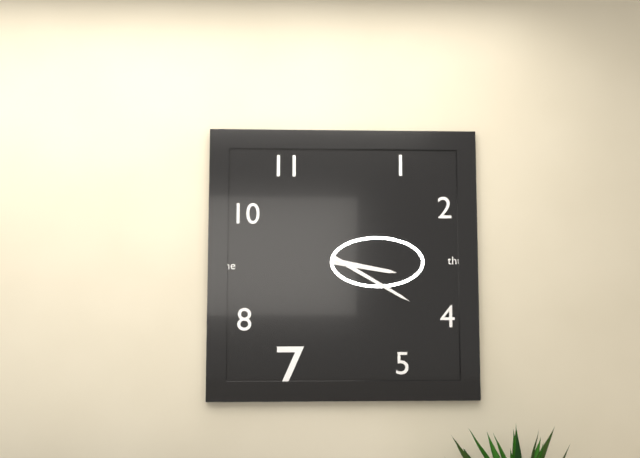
**3:20**
